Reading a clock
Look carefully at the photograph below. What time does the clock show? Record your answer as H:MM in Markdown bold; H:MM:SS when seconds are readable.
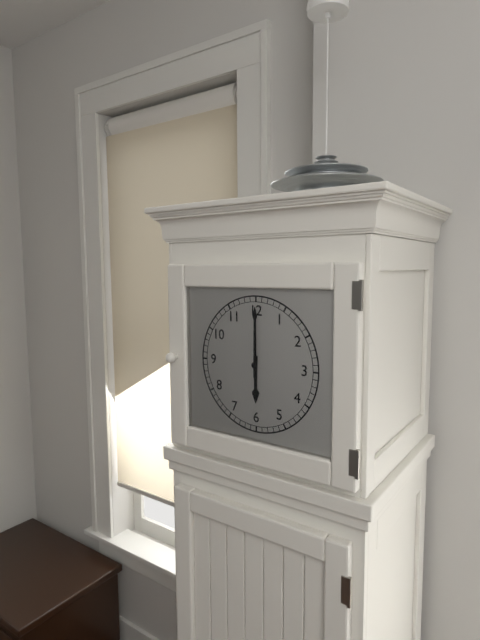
**6:00**
